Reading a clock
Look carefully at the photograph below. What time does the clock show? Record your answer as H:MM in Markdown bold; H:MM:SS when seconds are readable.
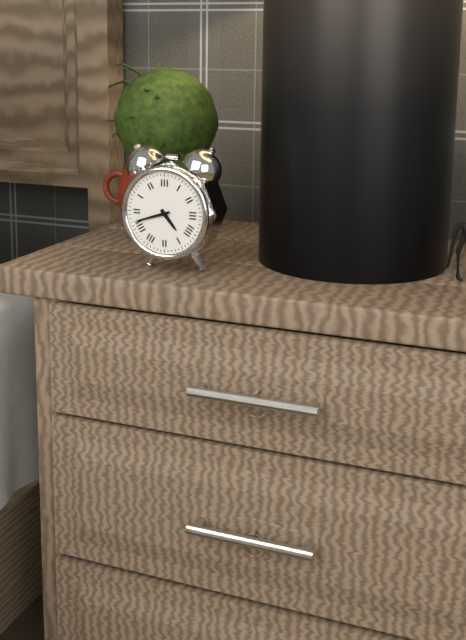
**4:42**
